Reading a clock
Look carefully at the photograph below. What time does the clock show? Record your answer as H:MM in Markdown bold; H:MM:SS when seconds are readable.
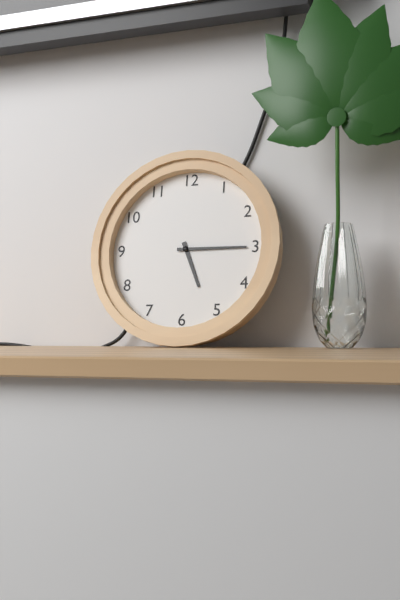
**5:15**
